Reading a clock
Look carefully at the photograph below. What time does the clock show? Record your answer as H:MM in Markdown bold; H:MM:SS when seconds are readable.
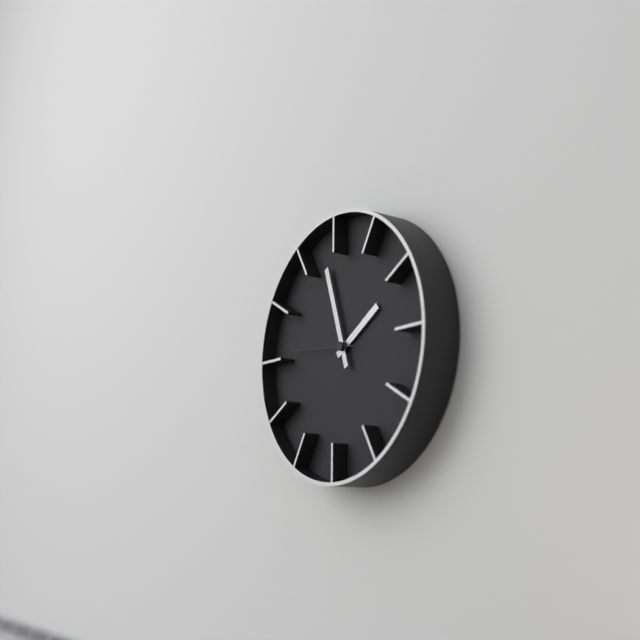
**1:57:46**
